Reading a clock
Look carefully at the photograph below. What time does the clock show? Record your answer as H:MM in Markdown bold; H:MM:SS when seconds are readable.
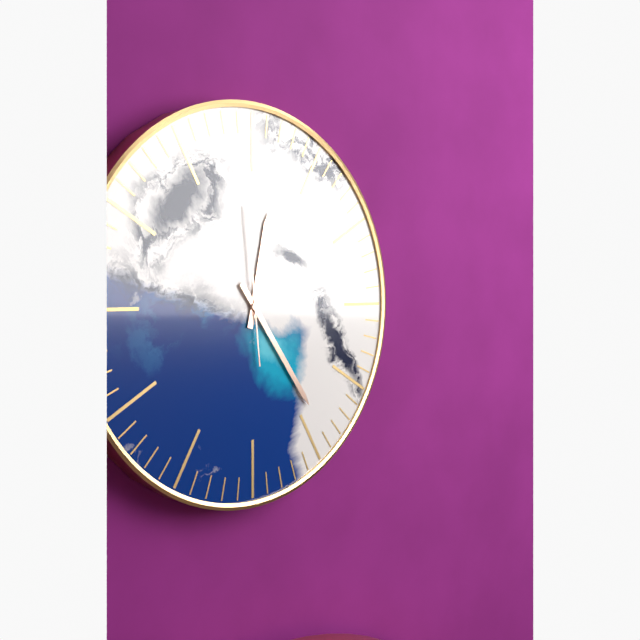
**12:24:59**
